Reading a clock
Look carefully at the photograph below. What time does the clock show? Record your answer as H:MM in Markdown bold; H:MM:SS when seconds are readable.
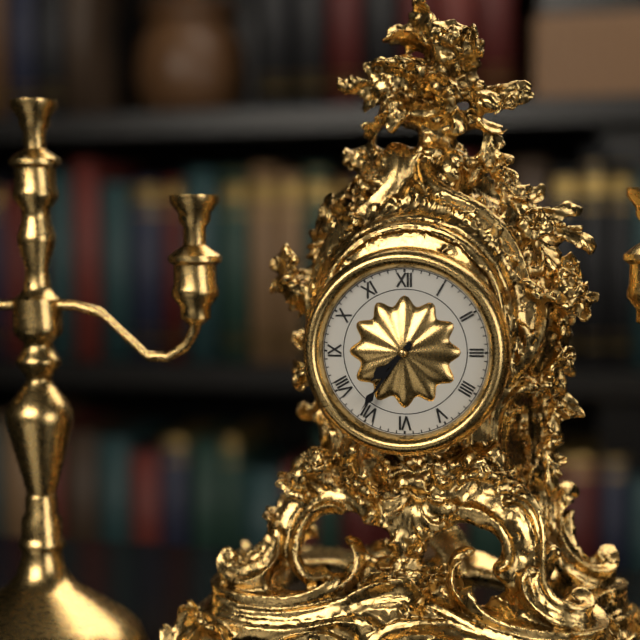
**7:36**
